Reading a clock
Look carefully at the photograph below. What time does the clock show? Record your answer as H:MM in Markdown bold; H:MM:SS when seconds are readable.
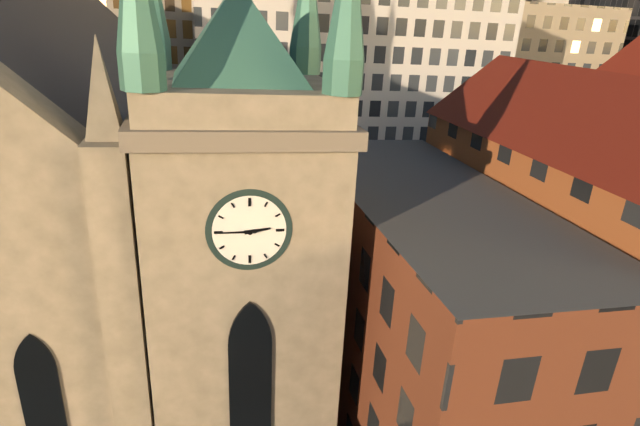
**2:45**
